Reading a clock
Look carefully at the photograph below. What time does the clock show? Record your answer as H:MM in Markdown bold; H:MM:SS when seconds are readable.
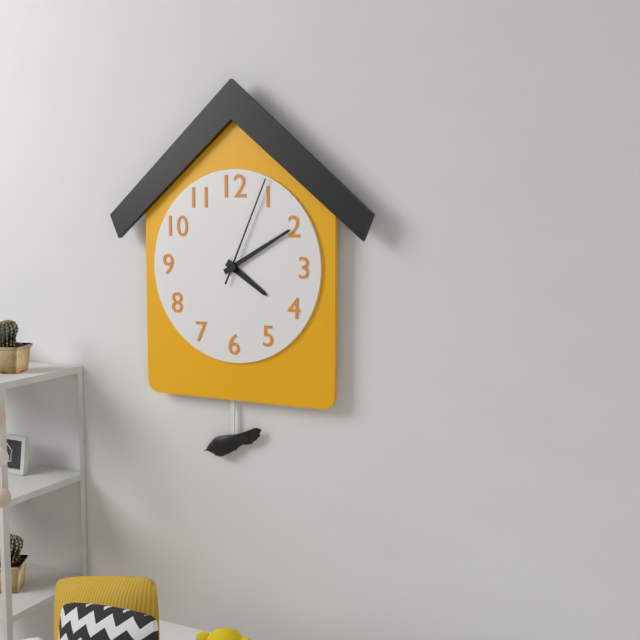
**4:10:04**
